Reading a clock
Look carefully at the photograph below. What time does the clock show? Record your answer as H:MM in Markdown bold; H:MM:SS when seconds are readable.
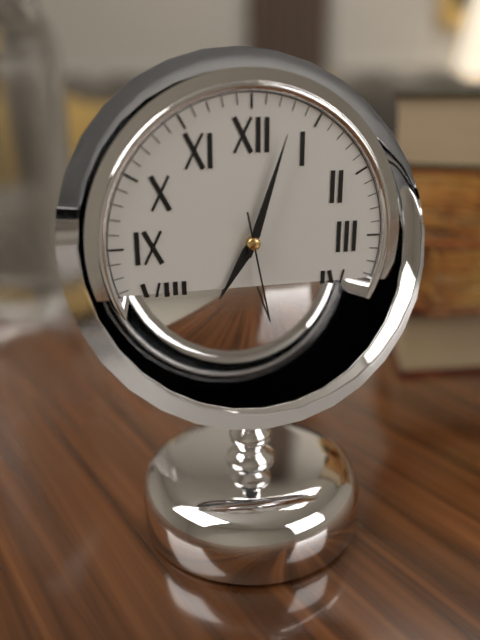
**7:03**
